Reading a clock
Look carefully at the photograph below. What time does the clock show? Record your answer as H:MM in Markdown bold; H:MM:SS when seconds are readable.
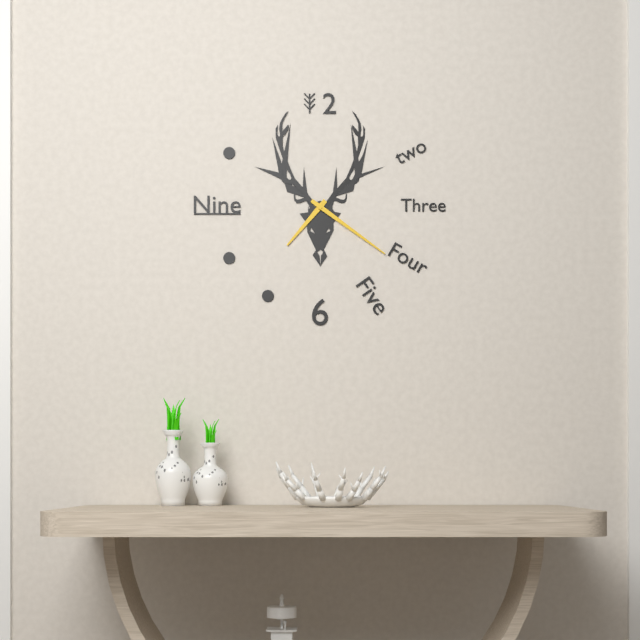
**7:21**
